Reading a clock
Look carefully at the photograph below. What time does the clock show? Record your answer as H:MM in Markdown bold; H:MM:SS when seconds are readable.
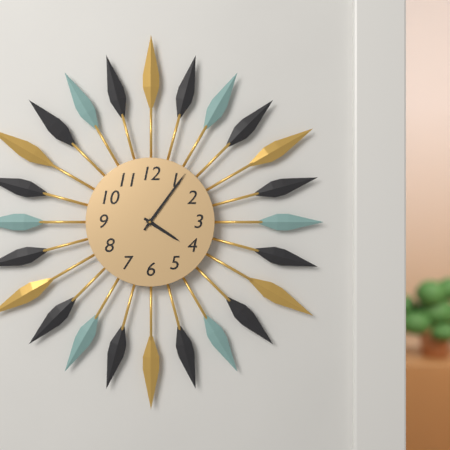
**4:06**
